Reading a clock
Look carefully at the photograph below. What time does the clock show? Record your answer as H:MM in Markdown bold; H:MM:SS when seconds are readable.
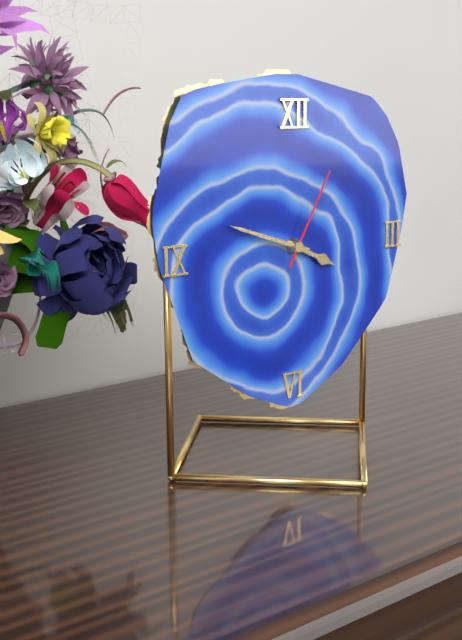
**3:48:05**
